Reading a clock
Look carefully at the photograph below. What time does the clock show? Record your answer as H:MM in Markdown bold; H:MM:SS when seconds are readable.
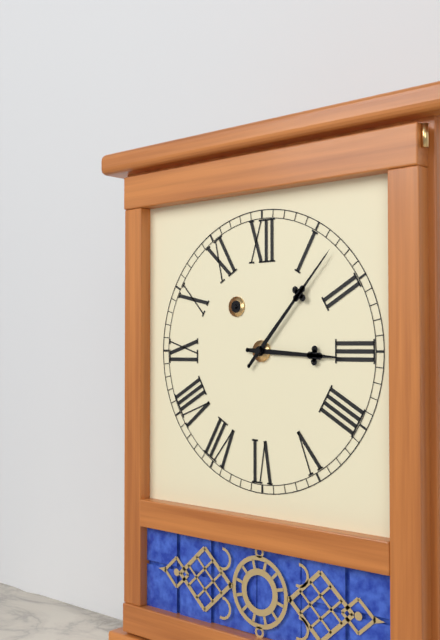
**3:07**
